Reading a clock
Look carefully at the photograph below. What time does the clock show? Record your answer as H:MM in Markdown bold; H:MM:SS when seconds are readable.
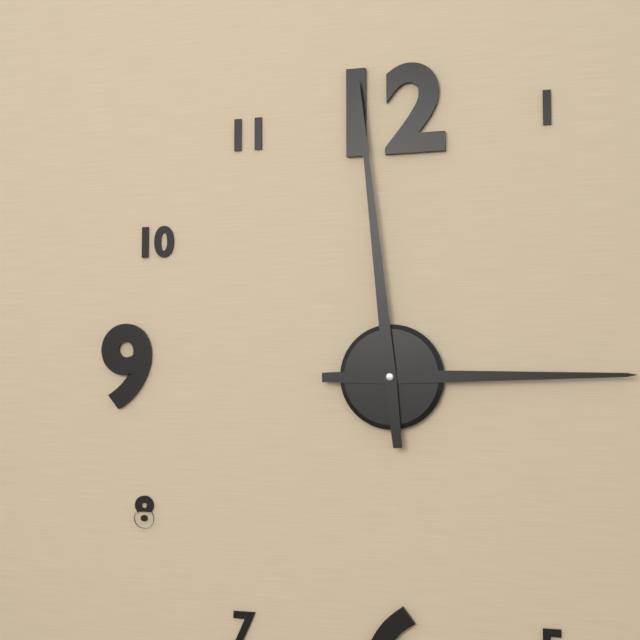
**2:59**
